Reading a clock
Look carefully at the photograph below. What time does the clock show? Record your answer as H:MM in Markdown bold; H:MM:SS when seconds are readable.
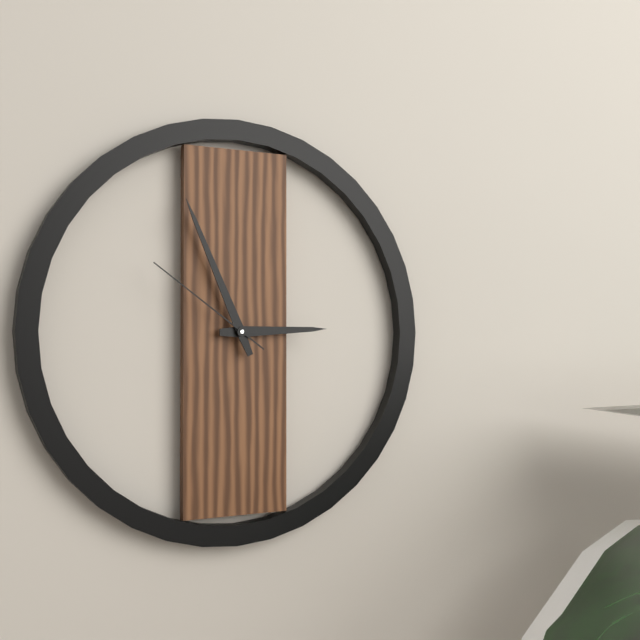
**2:56:51**
